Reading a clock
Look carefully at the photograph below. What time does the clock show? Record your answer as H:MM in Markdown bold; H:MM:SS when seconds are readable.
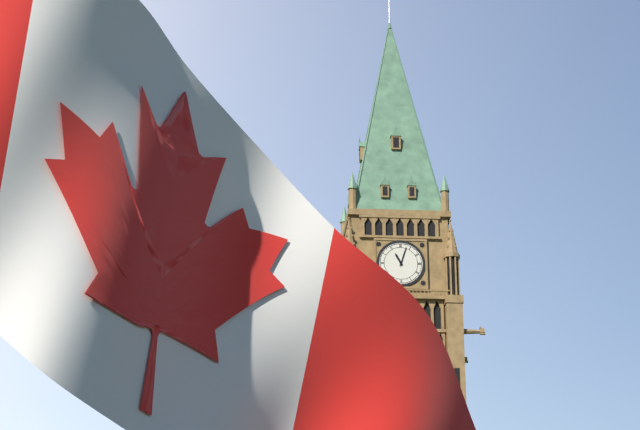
**11:03**
